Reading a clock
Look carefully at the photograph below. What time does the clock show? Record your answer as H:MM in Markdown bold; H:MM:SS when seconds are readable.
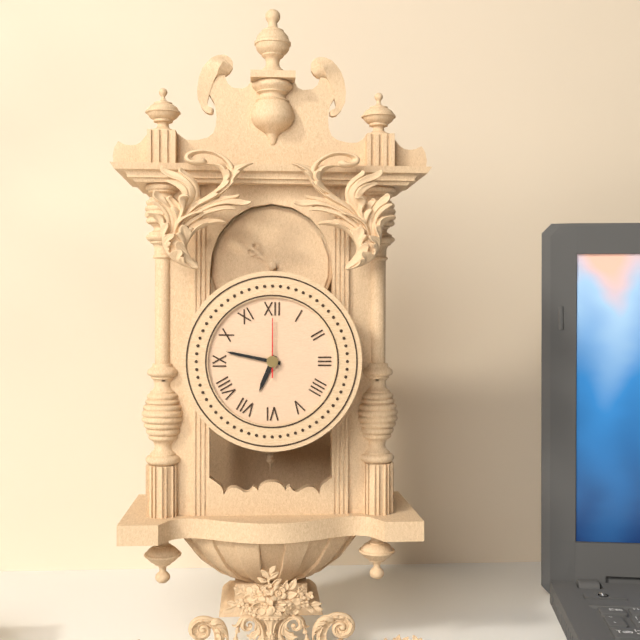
**6:47:00**
